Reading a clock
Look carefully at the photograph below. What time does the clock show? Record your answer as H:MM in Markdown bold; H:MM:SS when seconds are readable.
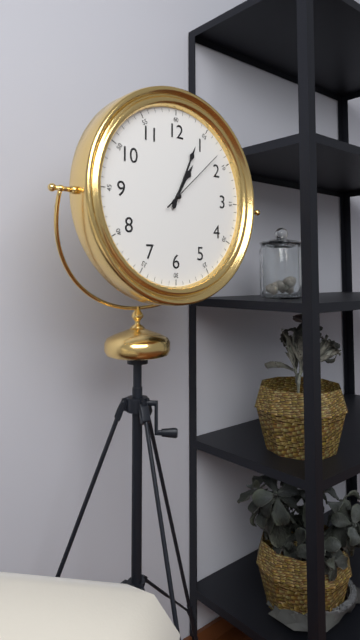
**1:04:08**
